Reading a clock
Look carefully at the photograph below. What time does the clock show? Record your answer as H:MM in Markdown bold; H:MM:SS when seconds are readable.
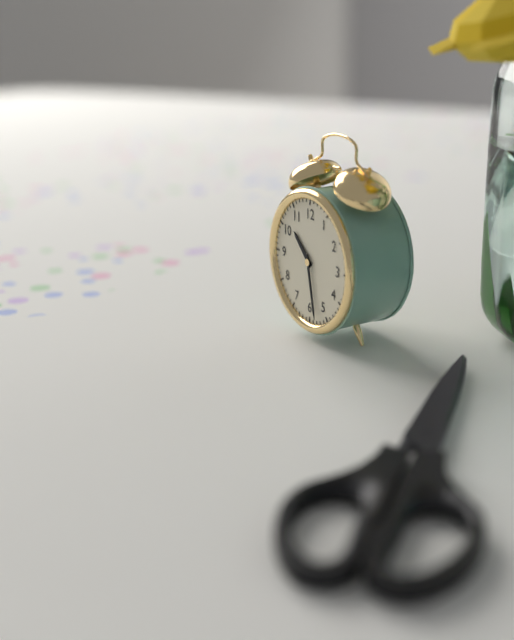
**10:28**
